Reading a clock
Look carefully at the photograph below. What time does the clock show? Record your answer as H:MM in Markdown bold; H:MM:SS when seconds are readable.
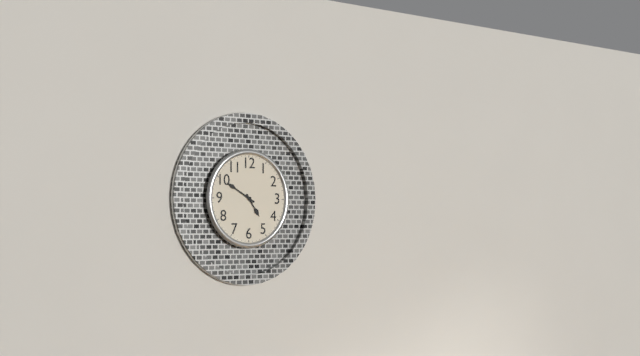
**4:50**
